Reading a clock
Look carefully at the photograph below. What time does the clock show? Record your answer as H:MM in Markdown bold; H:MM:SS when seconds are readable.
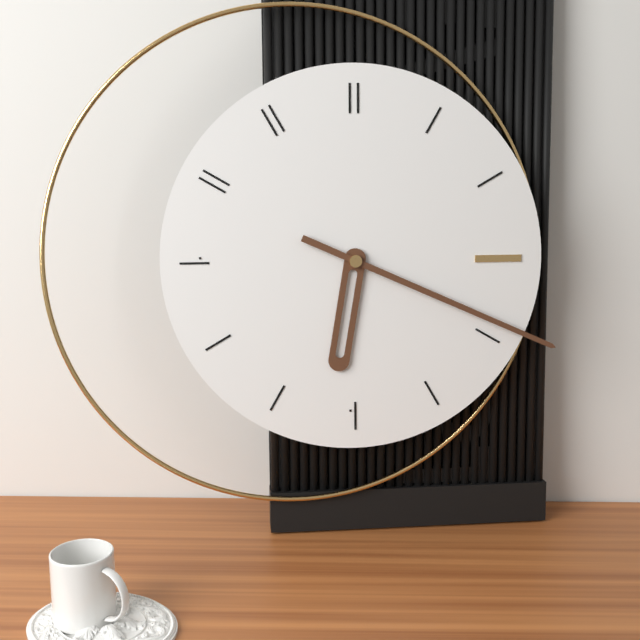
**6:19**
